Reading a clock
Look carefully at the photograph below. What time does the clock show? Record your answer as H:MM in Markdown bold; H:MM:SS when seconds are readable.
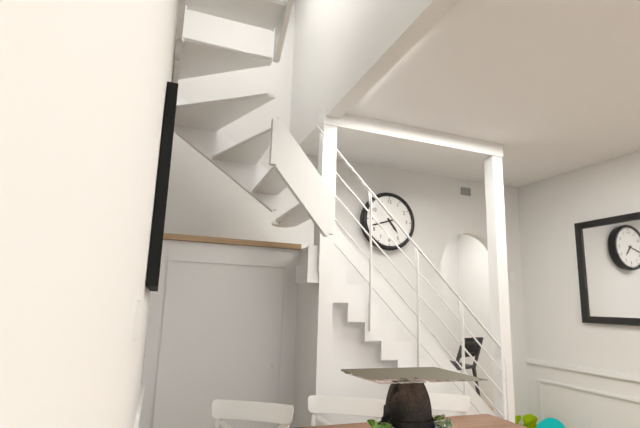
**4:42**
